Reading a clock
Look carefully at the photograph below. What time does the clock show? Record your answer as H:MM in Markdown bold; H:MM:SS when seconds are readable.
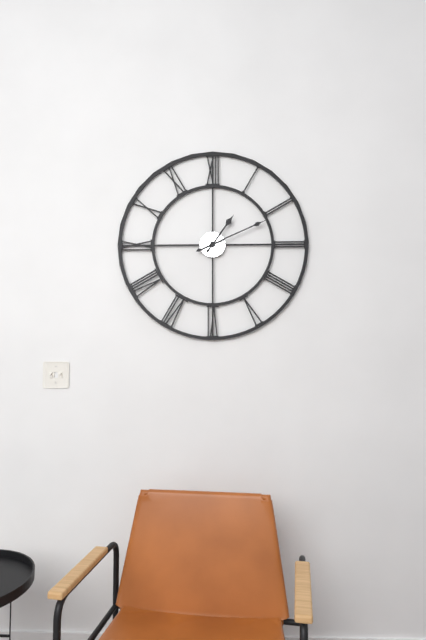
**1:11**
